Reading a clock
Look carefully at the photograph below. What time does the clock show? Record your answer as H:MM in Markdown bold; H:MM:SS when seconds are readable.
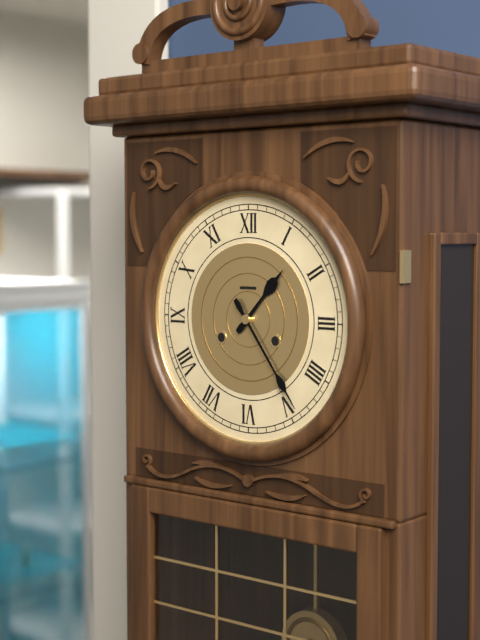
**1:24**
